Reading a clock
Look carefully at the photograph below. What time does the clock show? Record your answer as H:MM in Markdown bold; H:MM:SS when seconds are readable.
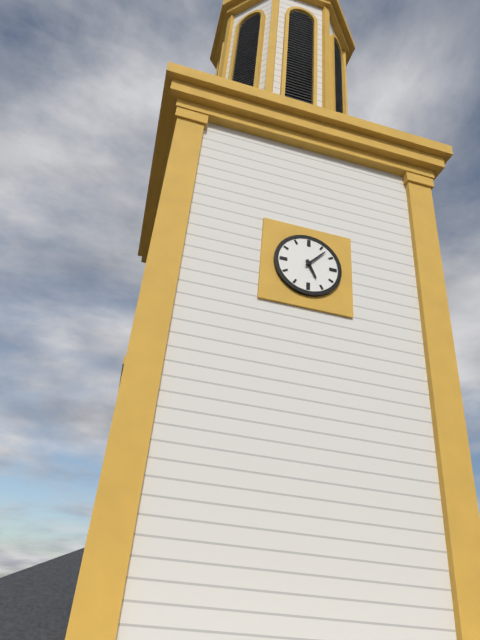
**5:07**
